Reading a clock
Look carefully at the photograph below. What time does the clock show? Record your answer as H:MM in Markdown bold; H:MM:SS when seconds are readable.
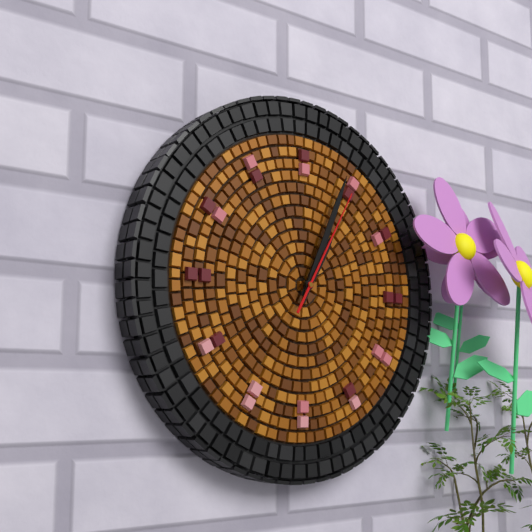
**1:04:05**
